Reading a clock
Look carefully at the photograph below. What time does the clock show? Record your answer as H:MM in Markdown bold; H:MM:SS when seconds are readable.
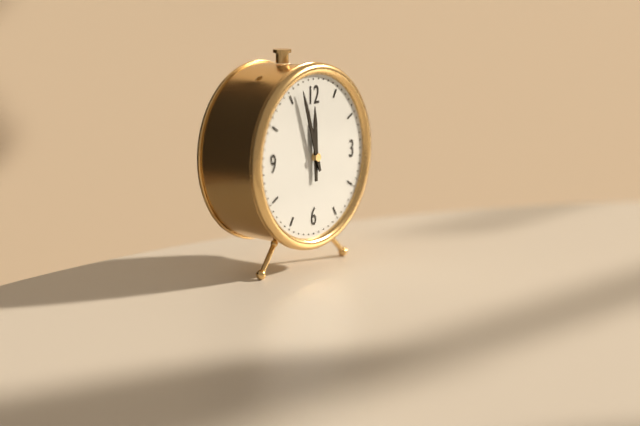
**11:57**
